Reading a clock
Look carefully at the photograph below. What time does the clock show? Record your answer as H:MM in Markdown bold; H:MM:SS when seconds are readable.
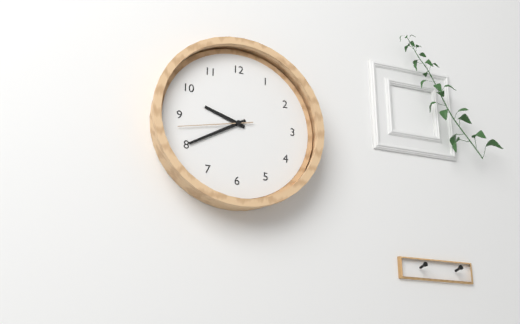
**9:40:43**
